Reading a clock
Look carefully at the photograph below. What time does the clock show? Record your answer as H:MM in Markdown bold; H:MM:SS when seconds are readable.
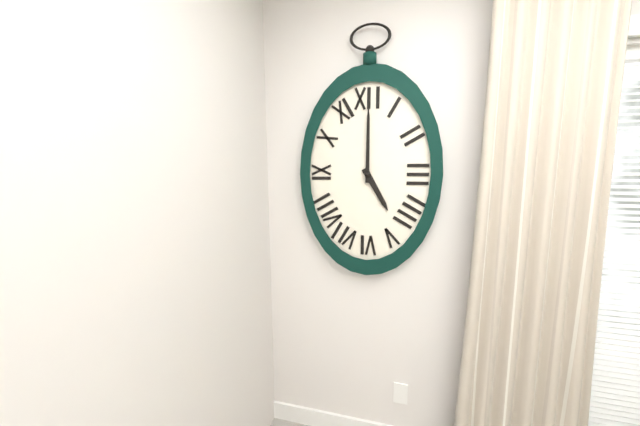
**5:00**
